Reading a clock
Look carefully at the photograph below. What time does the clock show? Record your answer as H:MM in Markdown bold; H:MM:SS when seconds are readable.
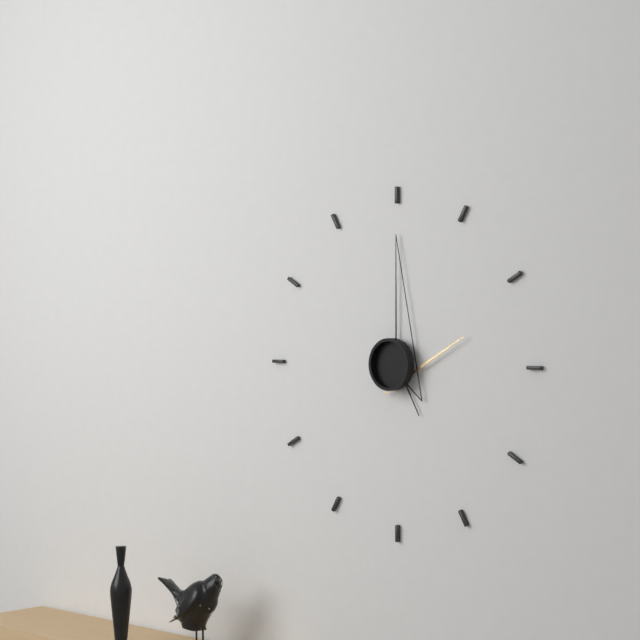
**5:00:12**
